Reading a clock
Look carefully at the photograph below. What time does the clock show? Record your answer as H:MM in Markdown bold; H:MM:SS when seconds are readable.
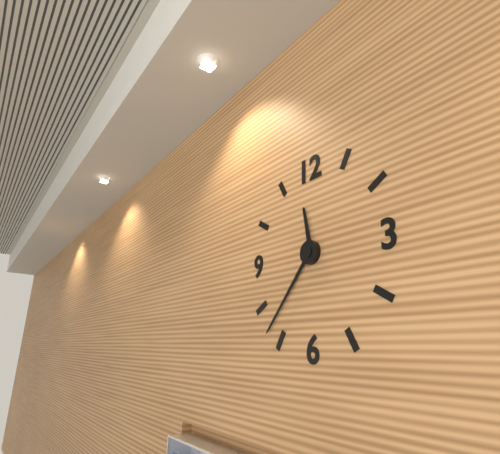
**11:37**
